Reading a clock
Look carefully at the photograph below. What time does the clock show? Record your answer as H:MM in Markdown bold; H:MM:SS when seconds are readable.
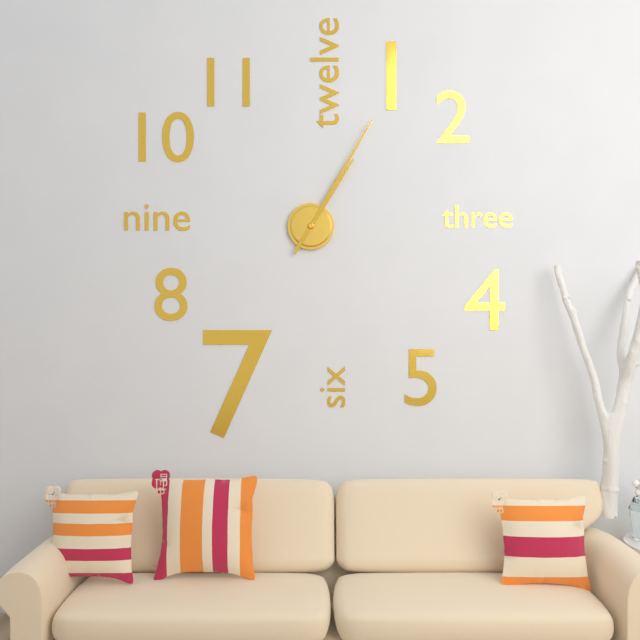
**1:05**
